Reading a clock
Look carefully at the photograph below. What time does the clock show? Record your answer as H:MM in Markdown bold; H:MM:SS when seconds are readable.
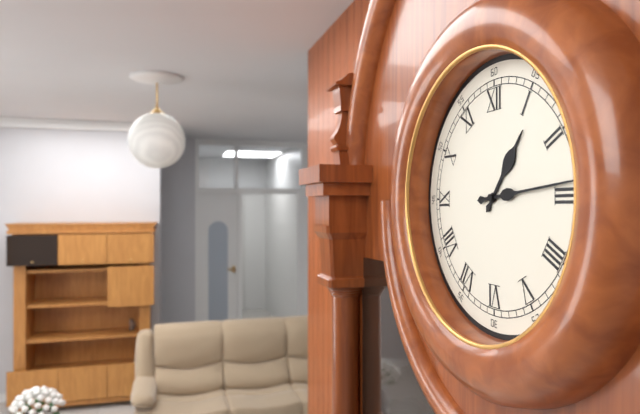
**1:14**
